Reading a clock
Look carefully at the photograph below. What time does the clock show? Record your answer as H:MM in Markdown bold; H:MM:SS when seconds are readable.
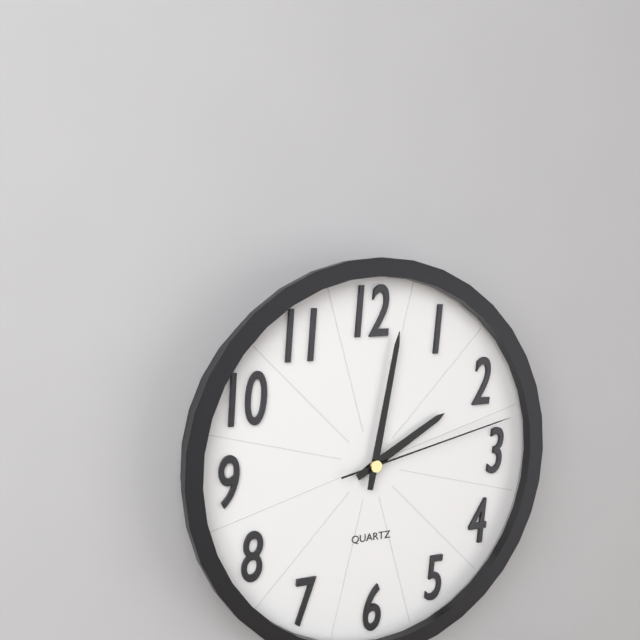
**2:02:13**
